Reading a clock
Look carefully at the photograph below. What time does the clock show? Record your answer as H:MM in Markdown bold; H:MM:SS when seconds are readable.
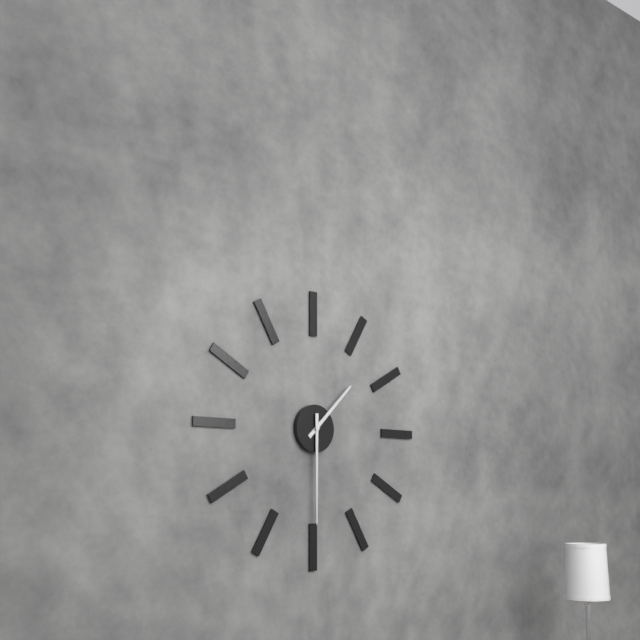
**1:30**
